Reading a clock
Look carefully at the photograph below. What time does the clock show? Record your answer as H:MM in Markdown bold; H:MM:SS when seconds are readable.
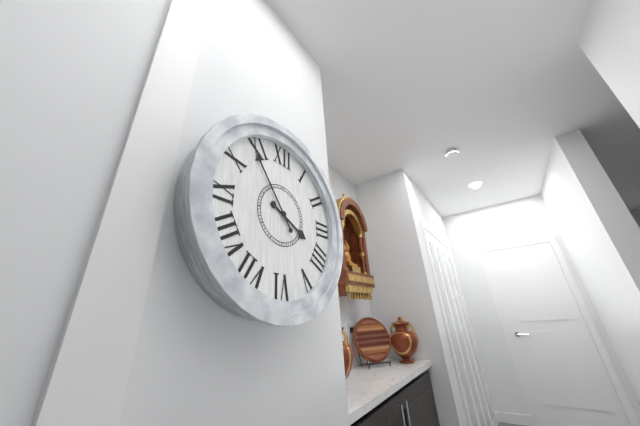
**3:54**
